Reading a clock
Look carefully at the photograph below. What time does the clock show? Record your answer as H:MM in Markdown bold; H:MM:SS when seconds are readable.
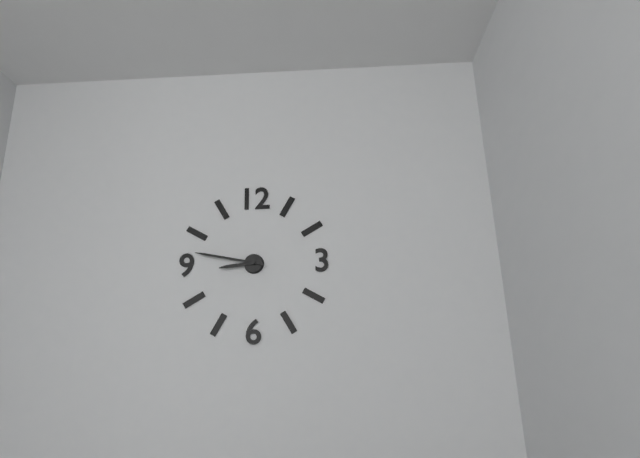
**8:47**
